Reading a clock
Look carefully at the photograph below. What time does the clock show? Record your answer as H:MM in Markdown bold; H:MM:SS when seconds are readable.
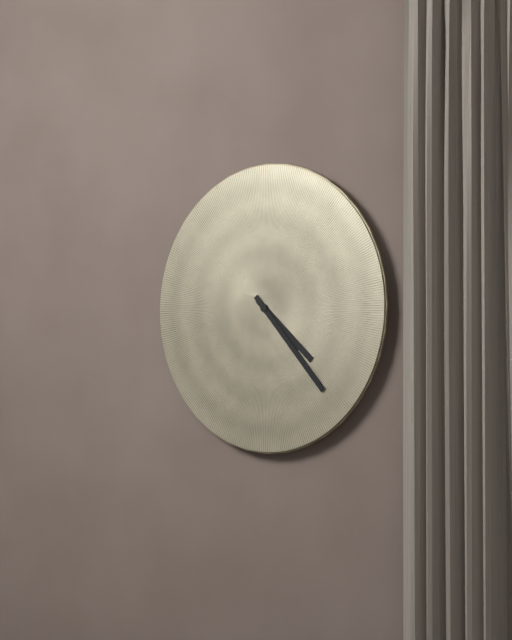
**4:23**
